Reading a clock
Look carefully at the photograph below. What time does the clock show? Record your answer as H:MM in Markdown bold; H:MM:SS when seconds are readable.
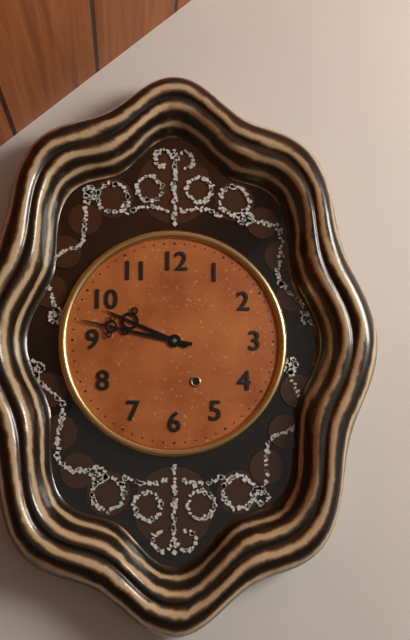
**9:47**
